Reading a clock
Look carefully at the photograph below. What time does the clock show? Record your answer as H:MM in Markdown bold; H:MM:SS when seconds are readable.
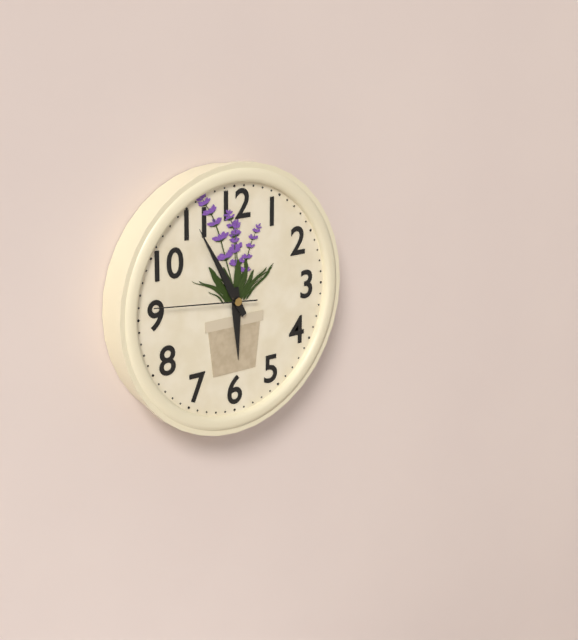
**5:55:46**
